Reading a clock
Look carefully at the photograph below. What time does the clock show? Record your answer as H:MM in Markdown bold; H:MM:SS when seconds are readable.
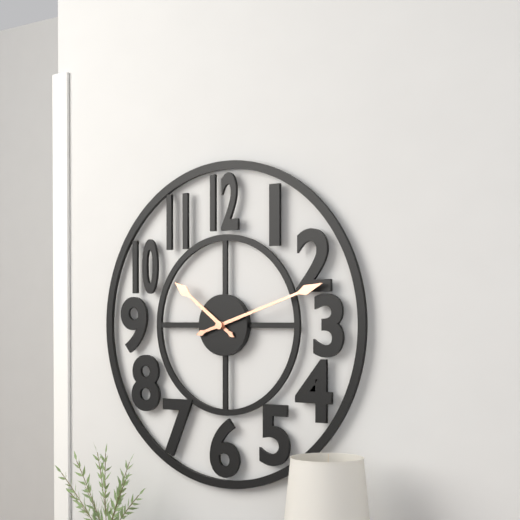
**10:12**
